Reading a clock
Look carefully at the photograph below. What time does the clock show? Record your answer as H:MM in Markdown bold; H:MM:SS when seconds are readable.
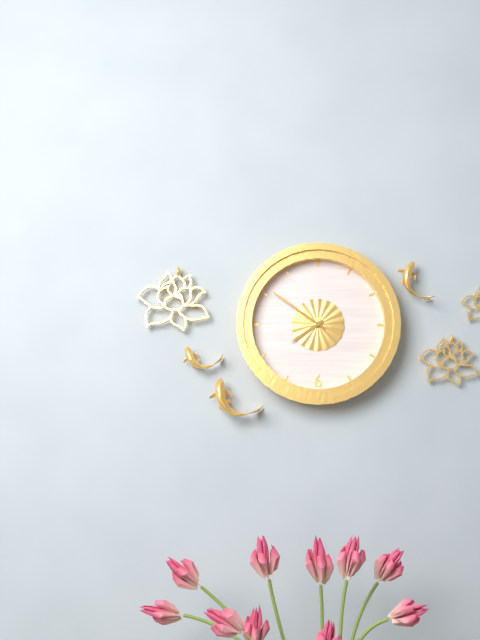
**7:51**
